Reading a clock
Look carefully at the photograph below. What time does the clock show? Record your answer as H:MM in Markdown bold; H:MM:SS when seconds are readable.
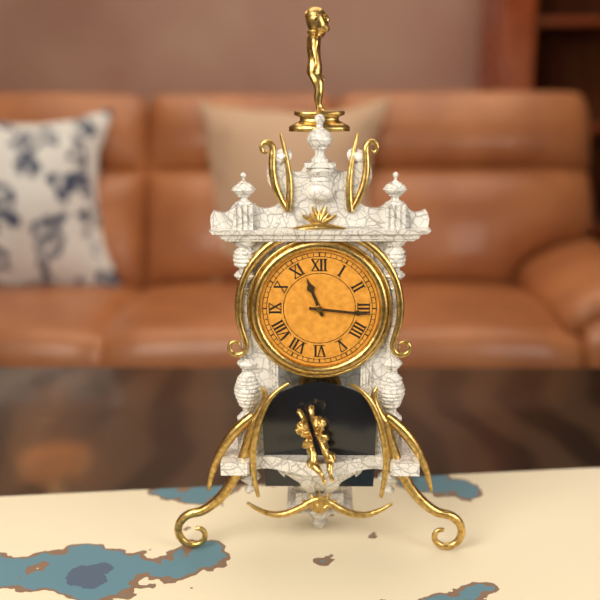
**11:16**
